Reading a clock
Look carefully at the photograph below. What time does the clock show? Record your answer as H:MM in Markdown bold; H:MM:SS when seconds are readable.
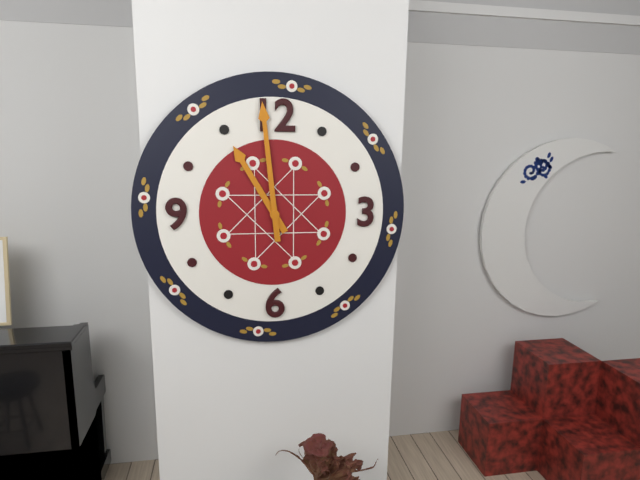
**10:59**
